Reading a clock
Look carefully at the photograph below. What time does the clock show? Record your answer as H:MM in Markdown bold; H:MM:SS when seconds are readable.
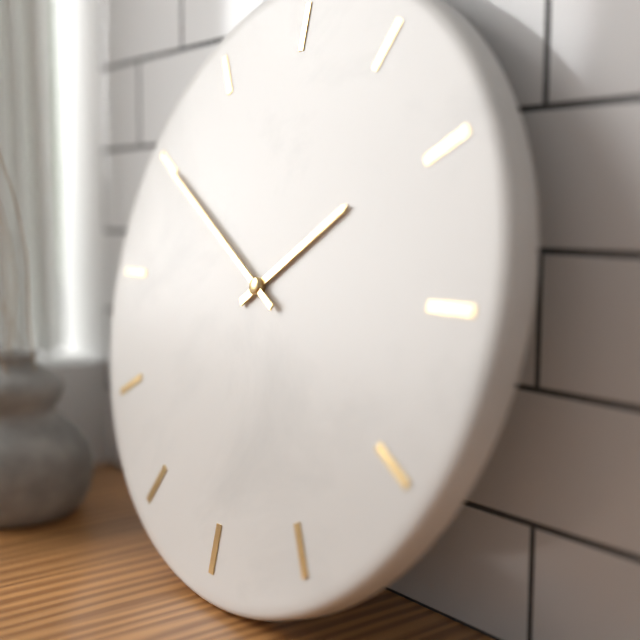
**1:50**
